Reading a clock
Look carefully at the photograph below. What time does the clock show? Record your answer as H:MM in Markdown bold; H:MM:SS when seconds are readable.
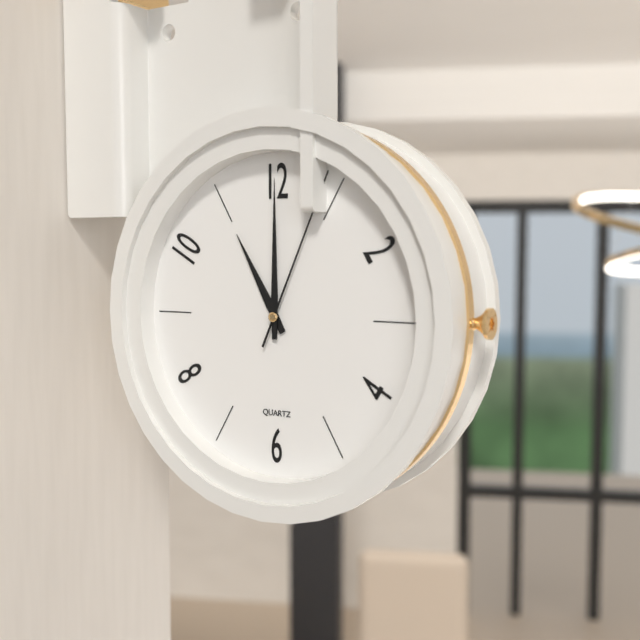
**11:00:04**
